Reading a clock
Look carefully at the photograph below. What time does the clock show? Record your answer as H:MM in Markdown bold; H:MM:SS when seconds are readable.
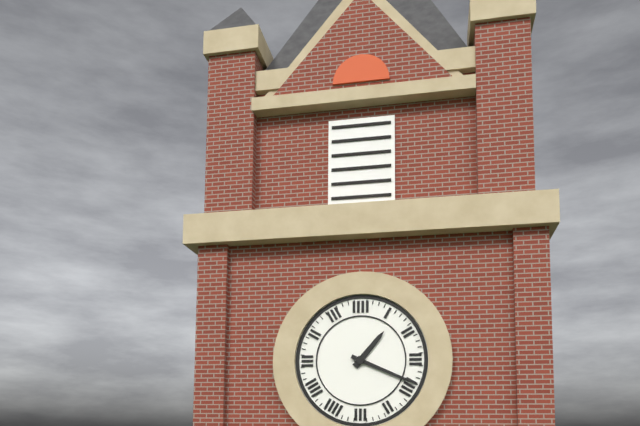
**1:19**
